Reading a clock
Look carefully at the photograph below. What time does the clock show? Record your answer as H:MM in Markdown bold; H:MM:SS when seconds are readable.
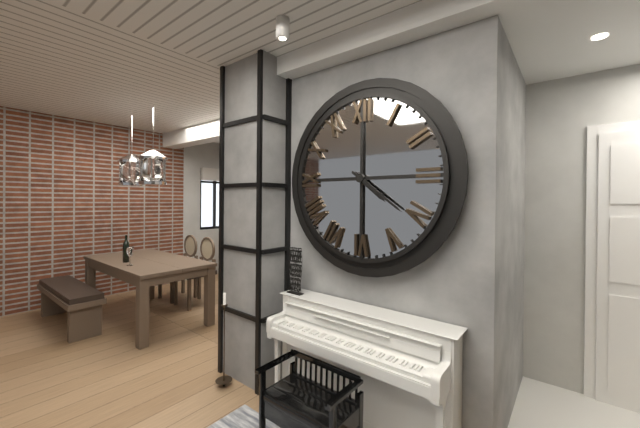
**4:21**
